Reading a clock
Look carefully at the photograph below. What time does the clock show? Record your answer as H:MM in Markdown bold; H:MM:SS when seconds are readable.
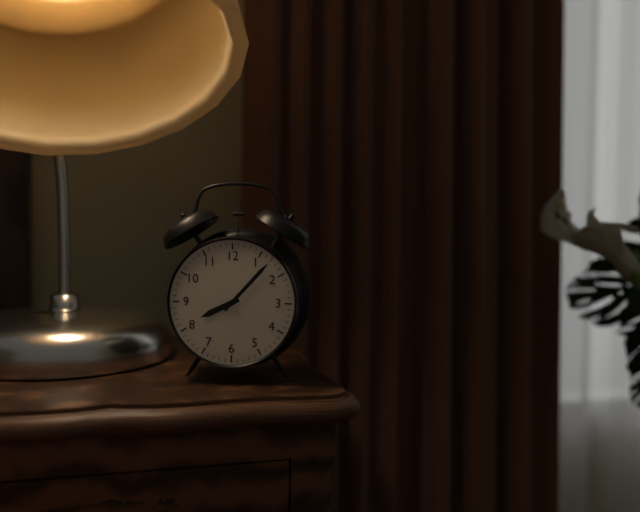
**8:07**
